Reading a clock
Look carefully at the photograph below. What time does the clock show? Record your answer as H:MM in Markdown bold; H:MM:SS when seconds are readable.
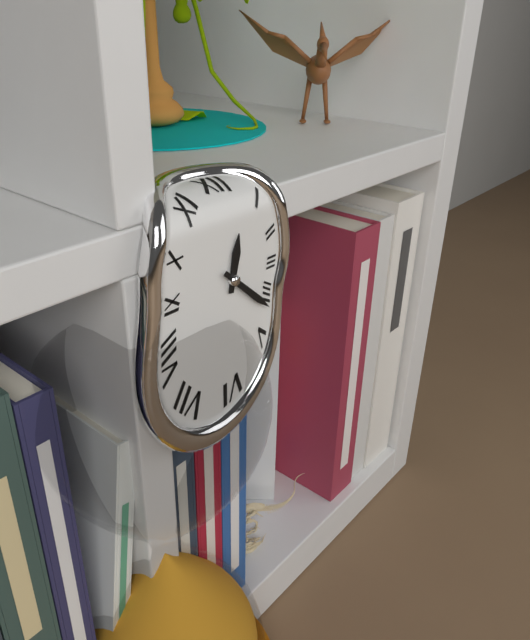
**12:22**
